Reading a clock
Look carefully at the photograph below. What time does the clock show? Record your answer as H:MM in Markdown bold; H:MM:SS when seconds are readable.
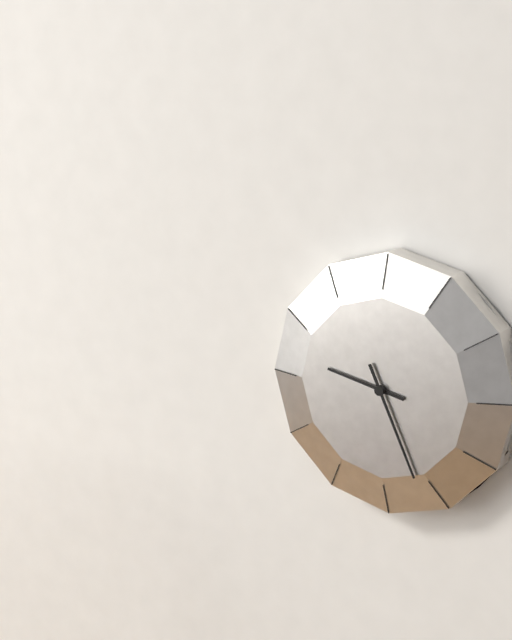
**9:26**
